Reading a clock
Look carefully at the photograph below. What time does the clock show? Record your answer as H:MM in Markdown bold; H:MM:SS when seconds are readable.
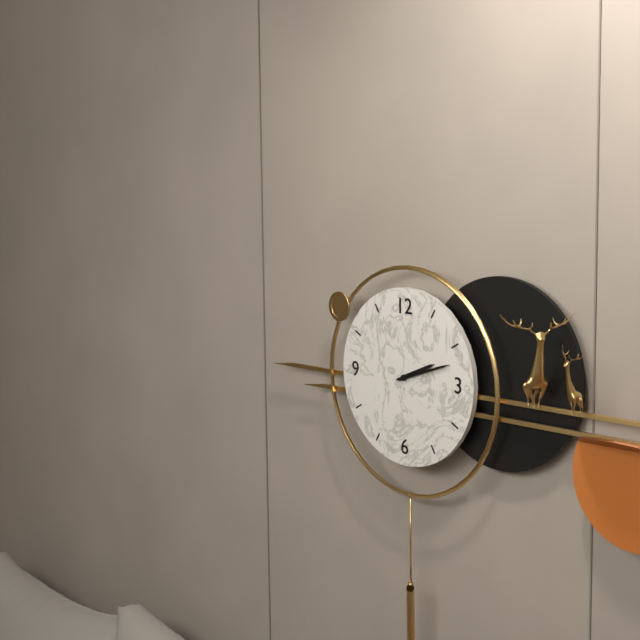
**2:12**
